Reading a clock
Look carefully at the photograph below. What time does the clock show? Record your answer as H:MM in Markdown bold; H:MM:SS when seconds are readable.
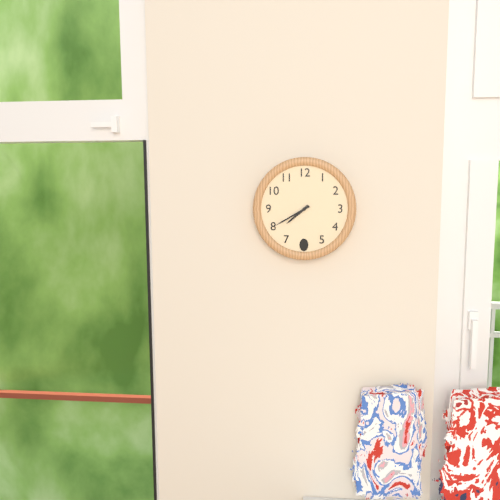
**7:40**
